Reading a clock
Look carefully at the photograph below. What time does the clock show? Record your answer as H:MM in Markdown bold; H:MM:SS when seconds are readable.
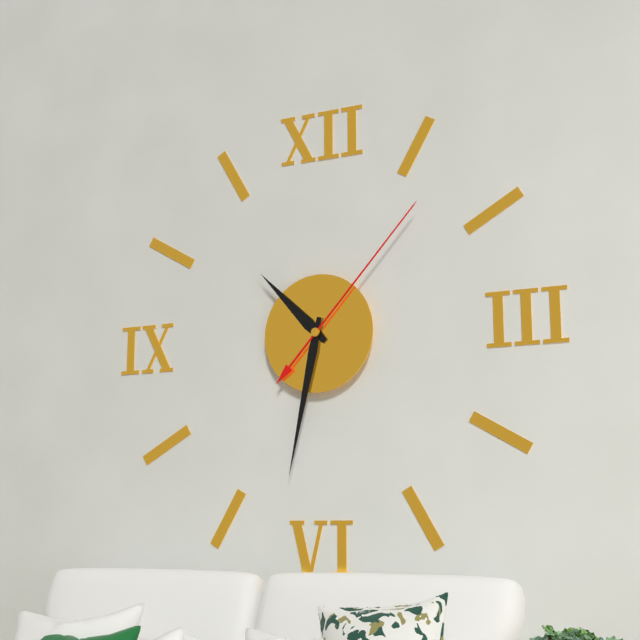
**10:32:07**
